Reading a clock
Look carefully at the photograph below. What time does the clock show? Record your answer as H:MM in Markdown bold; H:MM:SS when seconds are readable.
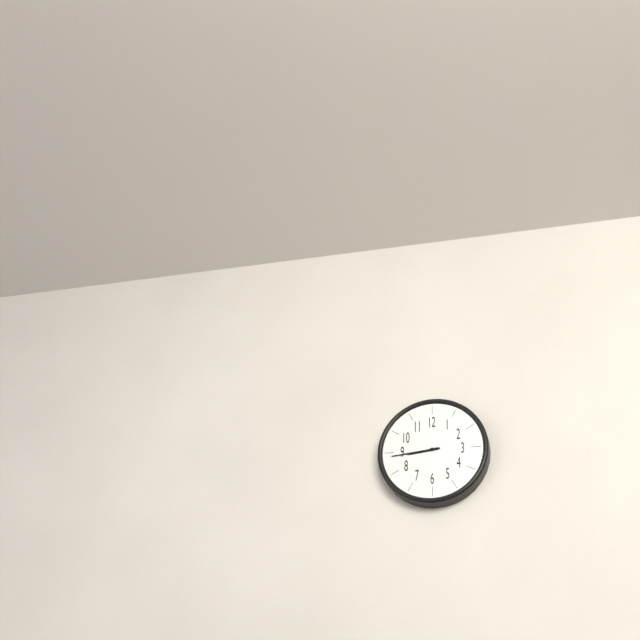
**8:44**
